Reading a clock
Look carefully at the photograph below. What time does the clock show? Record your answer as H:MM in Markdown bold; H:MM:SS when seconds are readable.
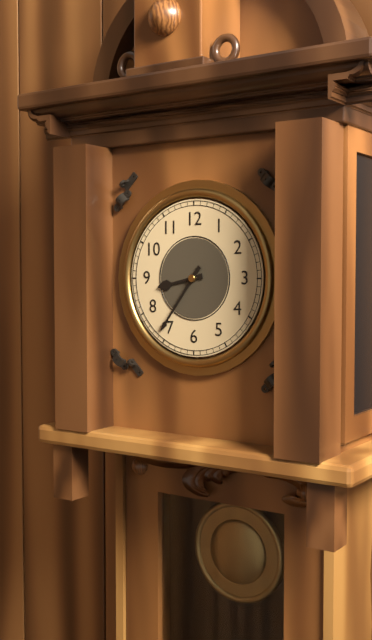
**8:36**
